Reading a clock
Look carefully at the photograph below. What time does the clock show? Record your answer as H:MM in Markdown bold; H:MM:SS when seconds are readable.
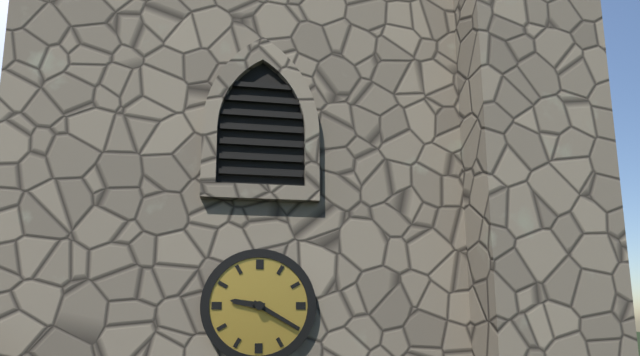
**9:20**
